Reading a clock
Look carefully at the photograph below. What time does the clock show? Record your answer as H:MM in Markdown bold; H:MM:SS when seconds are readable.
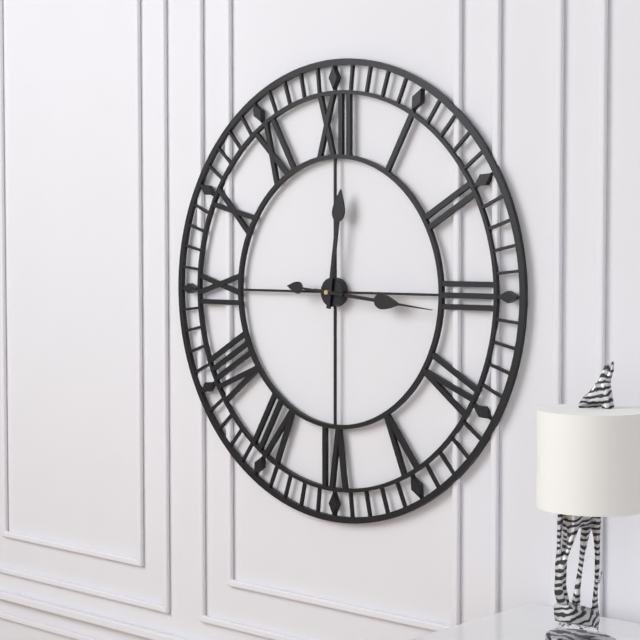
**12:16:46**
